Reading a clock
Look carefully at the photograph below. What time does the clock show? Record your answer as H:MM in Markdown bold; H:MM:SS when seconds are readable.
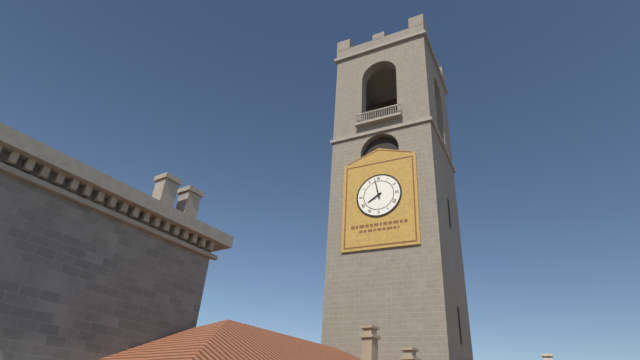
**7:58**
